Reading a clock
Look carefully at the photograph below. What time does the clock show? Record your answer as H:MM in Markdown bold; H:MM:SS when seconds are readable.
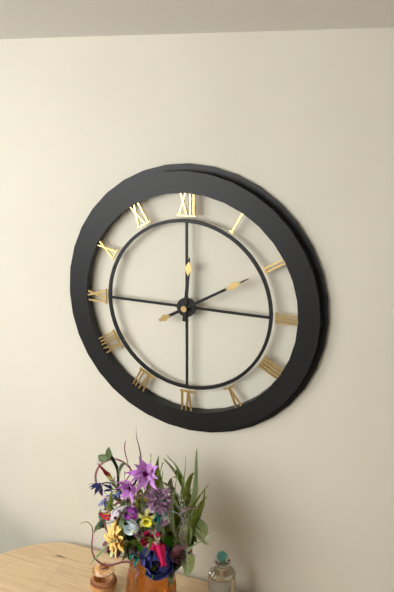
**12:10**
